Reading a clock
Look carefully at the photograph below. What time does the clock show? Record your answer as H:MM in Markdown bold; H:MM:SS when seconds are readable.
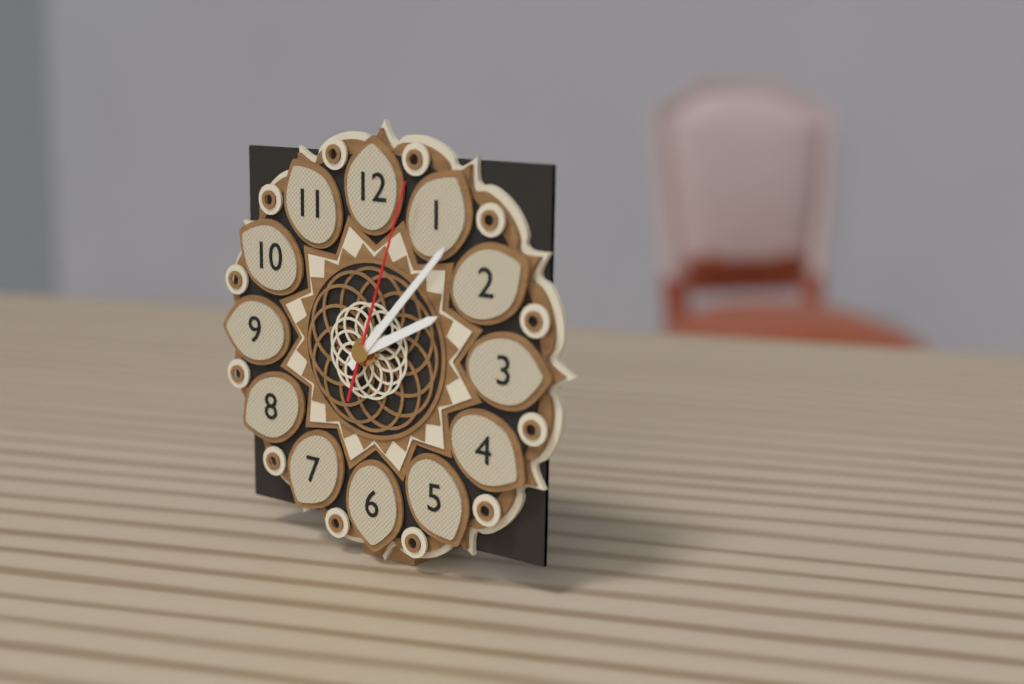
**2:07:03**
